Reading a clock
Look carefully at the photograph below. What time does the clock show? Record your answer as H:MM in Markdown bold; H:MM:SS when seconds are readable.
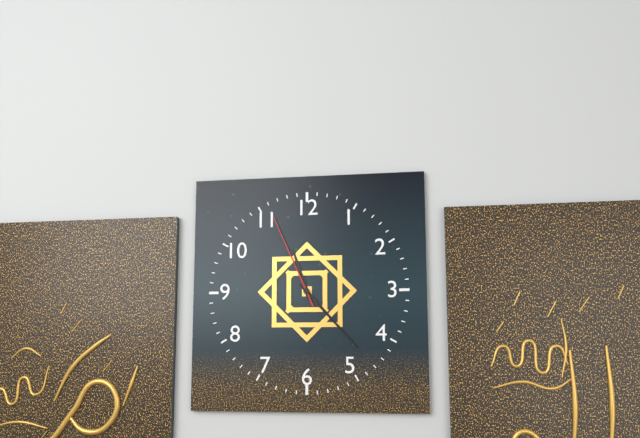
**11:23:56**
